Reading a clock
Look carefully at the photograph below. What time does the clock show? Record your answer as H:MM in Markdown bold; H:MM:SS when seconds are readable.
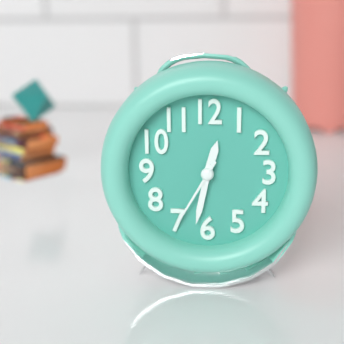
**12:32:35**
